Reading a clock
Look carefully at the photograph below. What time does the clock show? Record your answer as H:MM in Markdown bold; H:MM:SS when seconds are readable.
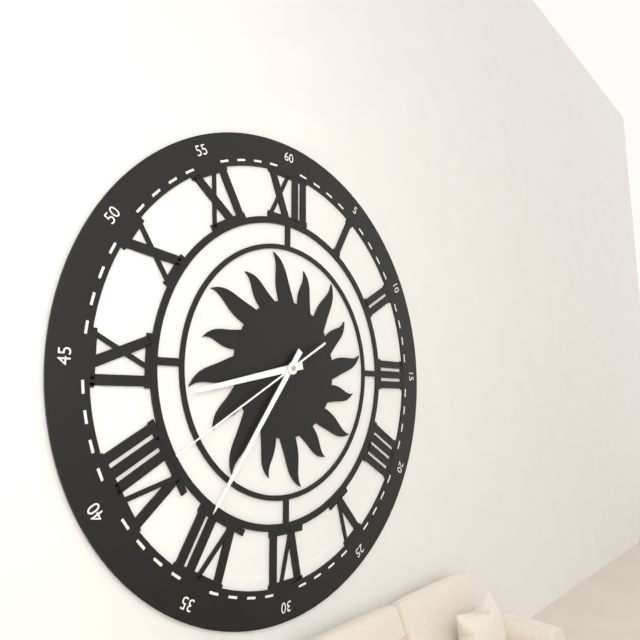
**8:36:40**
